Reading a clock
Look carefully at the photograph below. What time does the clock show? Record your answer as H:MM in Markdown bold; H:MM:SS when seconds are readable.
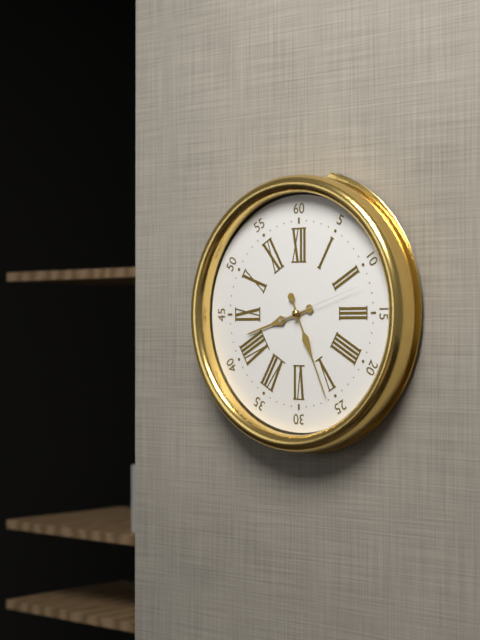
**8:26:12**
